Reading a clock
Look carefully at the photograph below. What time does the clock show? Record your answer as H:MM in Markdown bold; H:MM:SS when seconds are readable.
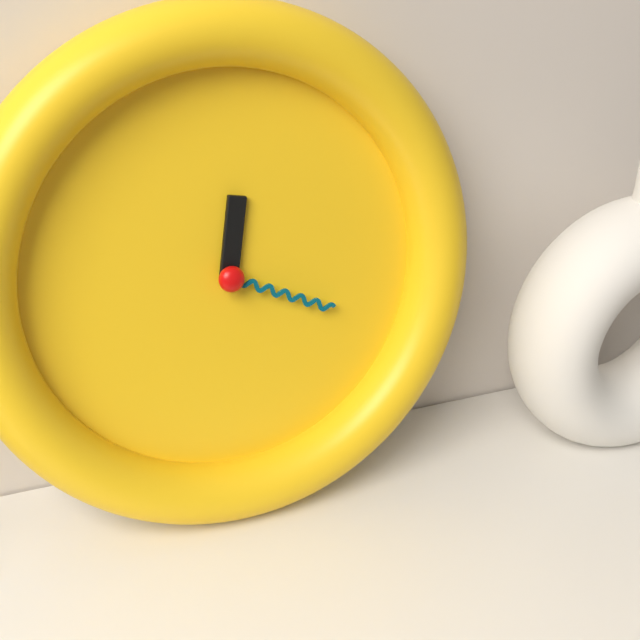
**12:19**
